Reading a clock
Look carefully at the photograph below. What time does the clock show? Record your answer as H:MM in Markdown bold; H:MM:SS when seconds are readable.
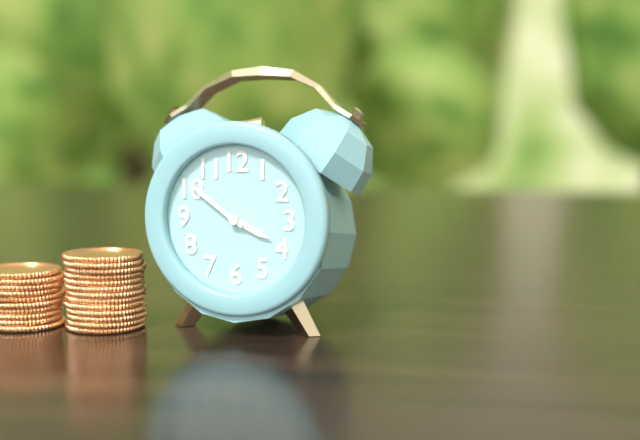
**3:51**
